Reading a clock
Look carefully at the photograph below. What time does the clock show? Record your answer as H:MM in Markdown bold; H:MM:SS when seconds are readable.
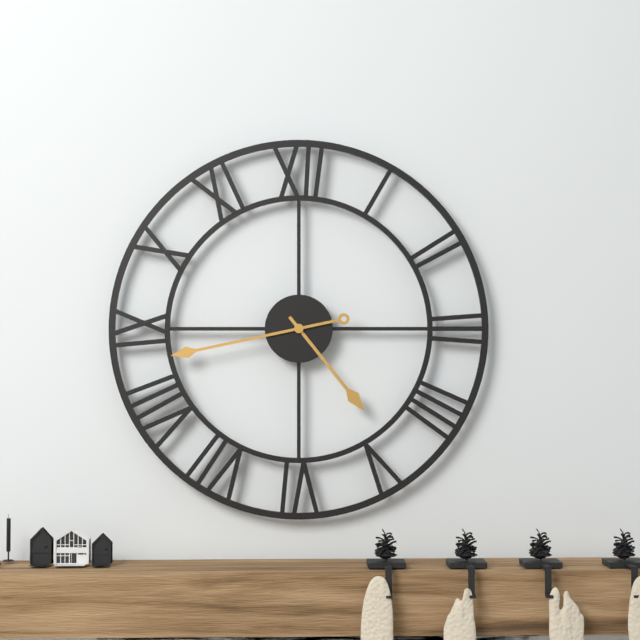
**4:43**
